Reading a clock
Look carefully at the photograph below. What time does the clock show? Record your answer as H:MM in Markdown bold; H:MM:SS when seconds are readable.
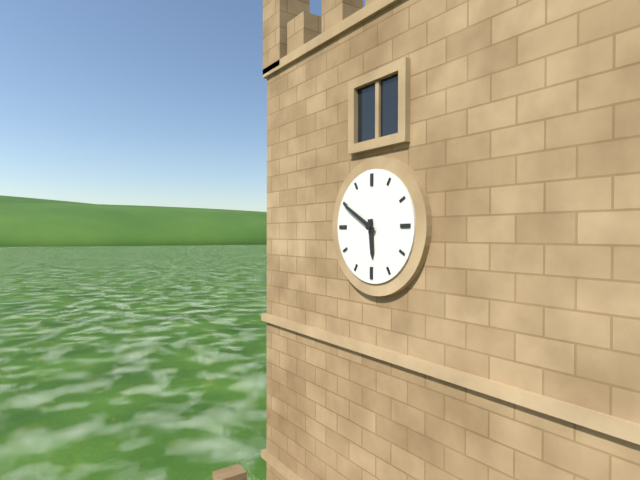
**5:50**
